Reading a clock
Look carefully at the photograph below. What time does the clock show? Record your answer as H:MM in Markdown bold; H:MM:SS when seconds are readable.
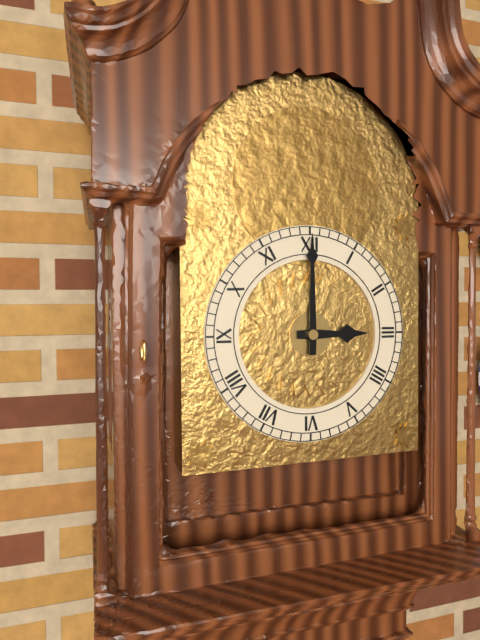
**3:00**
